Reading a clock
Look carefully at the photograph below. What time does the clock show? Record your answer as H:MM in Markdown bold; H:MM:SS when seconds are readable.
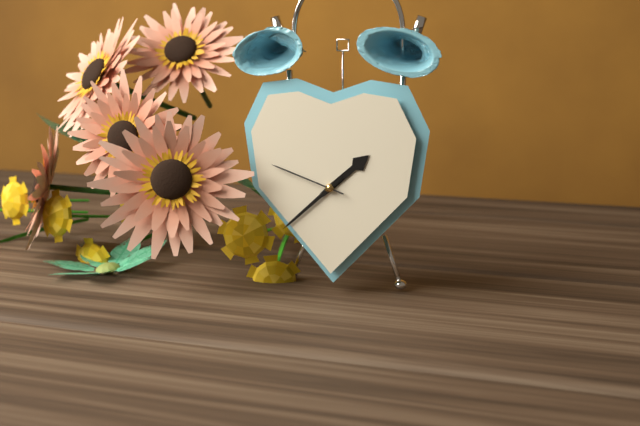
**1:38:48**
